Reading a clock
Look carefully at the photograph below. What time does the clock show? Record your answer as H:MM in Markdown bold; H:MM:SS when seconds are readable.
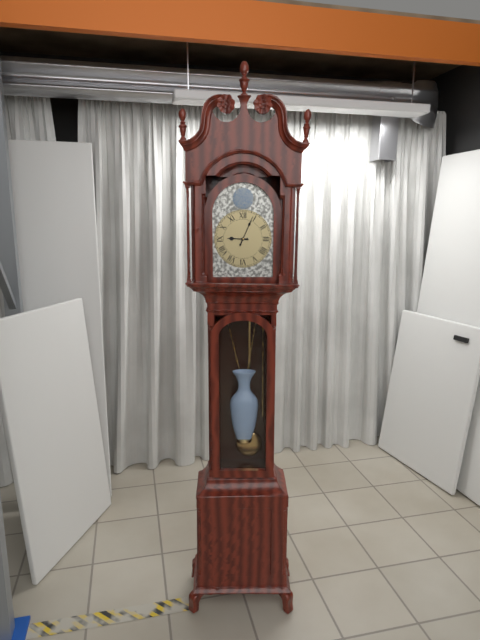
**9:04**
